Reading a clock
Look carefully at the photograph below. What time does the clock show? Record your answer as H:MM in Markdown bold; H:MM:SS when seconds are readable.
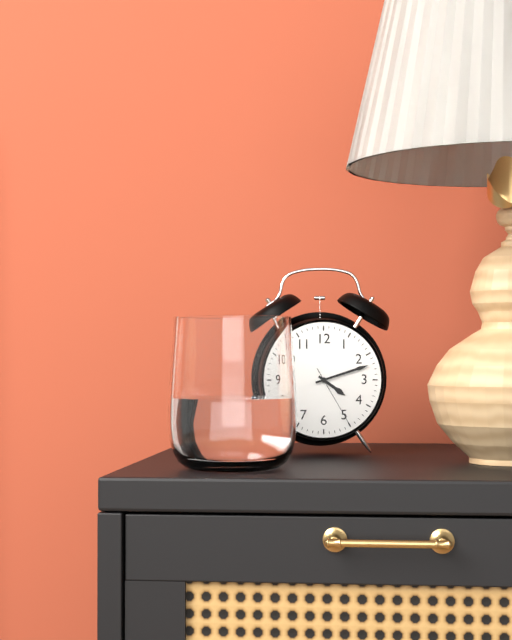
**4:12:25**
